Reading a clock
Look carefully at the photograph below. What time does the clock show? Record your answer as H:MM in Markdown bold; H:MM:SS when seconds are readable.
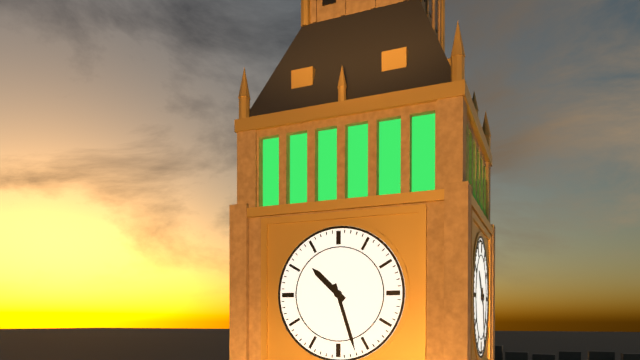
**10:27**
